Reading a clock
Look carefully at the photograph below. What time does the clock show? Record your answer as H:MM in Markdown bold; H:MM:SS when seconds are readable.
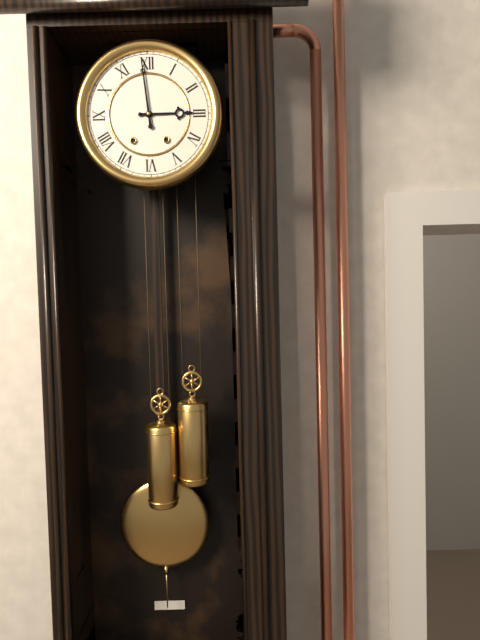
**2:59**
